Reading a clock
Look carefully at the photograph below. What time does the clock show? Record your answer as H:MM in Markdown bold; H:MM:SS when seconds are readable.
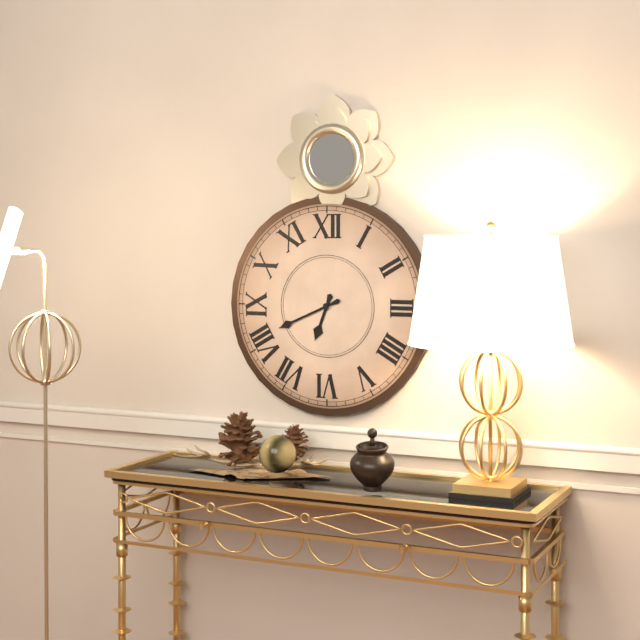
**6:41**
